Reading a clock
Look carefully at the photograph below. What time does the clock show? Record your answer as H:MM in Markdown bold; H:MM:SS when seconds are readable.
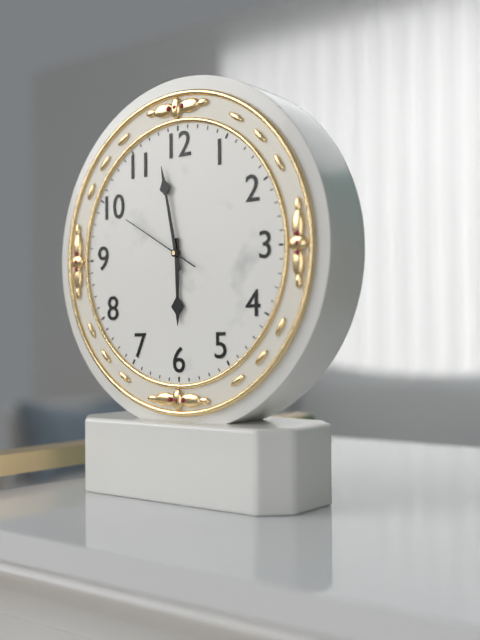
**5:58:50**
